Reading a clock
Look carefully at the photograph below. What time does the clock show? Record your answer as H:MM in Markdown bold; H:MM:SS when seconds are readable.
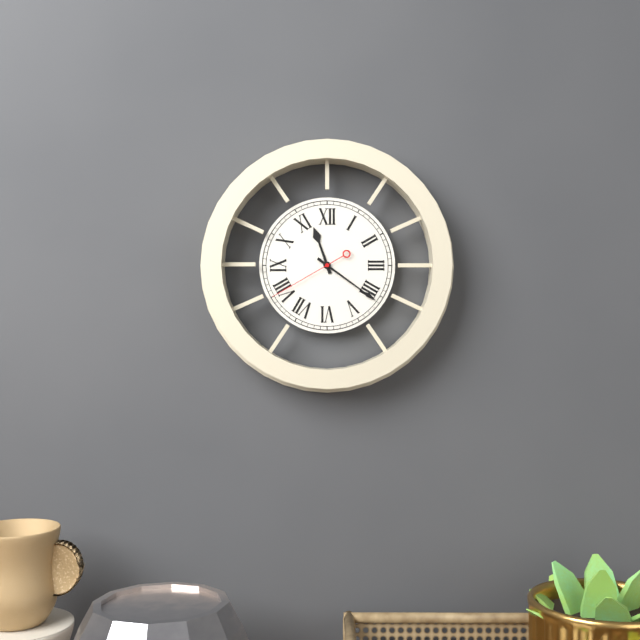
**11:21:40**
